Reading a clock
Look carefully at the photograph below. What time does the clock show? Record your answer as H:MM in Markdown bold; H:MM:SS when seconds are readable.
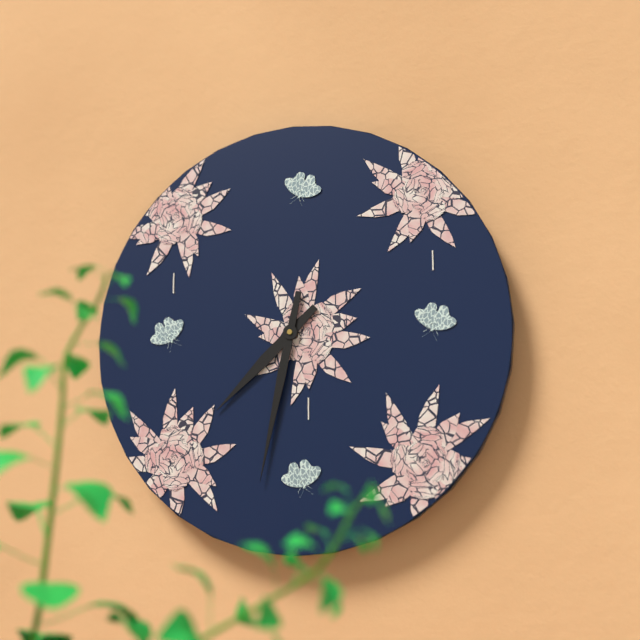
**7:32**
